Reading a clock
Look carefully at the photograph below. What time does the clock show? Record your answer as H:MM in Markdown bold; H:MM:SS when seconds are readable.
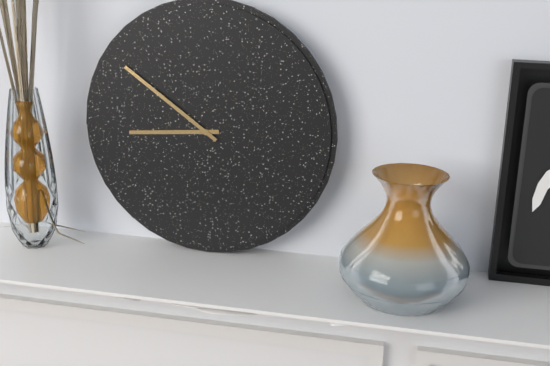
**8:51**
